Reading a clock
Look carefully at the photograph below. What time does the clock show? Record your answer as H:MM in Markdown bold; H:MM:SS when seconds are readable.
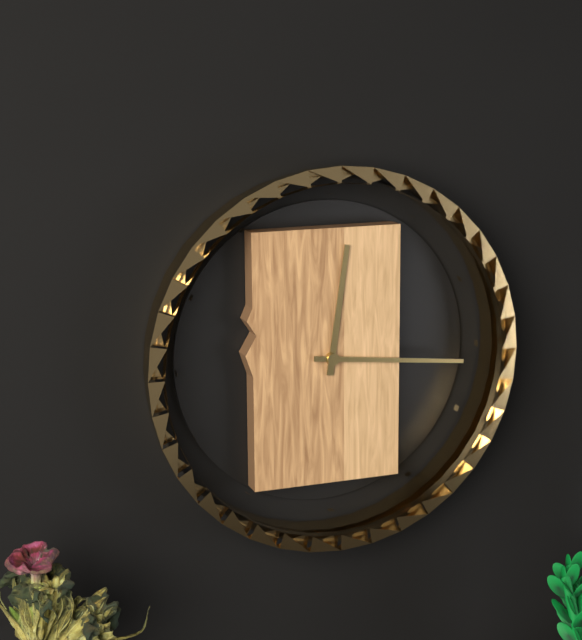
**12:16**
